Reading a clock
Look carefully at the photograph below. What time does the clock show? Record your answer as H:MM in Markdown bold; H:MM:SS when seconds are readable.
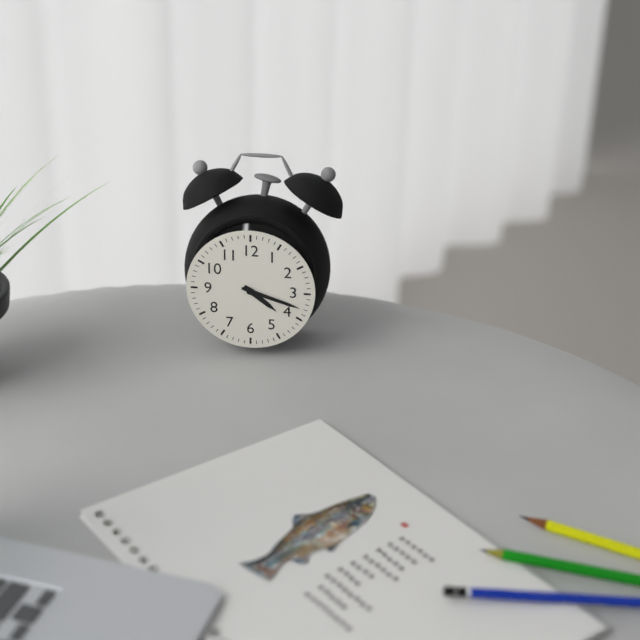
**4:18**
